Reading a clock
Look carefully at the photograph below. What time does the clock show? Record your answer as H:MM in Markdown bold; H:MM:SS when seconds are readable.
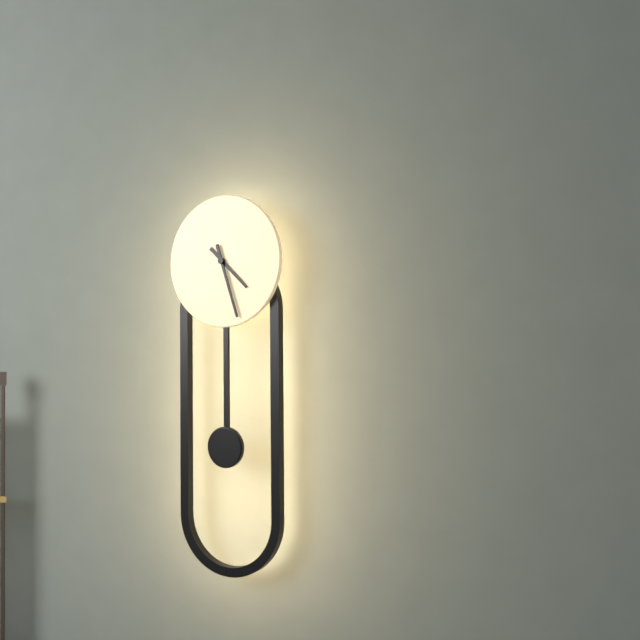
**4:27**
